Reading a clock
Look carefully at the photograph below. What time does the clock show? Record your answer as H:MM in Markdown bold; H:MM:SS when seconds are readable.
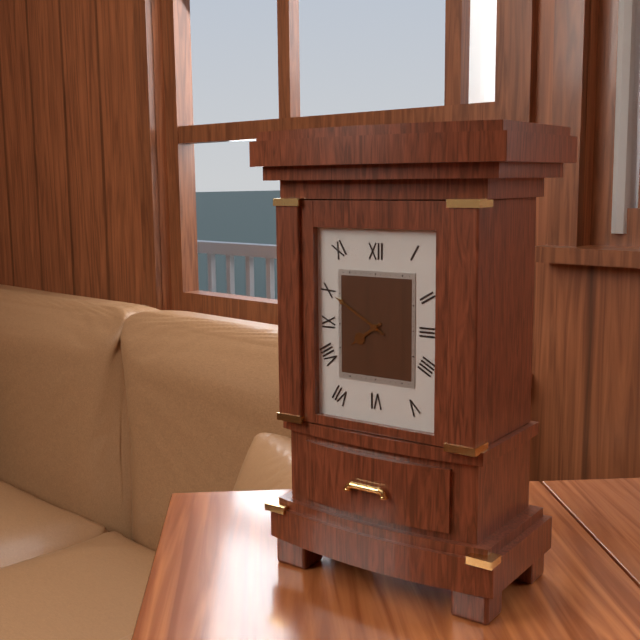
**7:50**
